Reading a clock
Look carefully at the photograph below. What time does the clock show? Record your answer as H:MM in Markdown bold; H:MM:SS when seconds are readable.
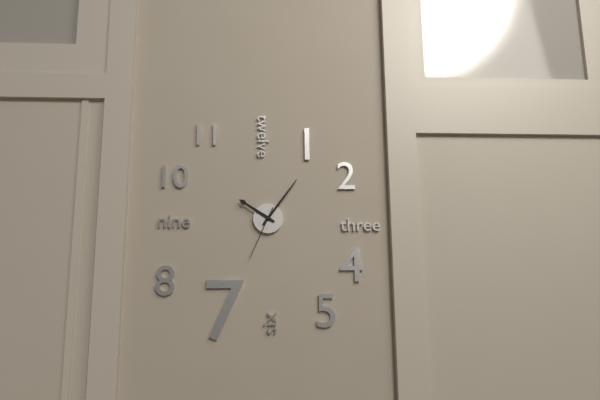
**10:06:34**
